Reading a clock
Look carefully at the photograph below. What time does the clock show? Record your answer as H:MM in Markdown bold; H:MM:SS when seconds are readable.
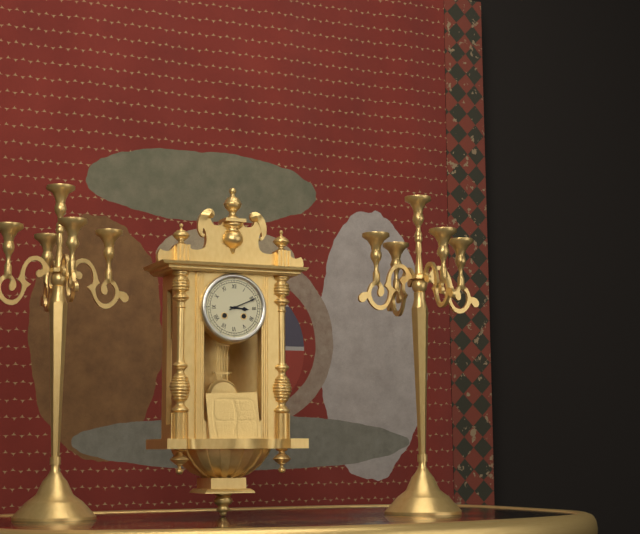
**3:11**
